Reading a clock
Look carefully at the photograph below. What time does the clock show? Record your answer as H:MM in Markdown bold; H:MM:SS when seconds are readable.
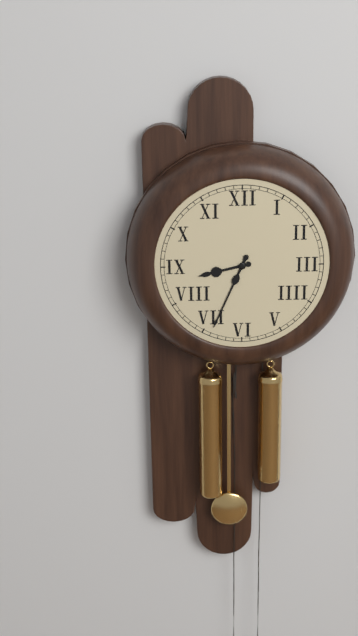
**8:34**
